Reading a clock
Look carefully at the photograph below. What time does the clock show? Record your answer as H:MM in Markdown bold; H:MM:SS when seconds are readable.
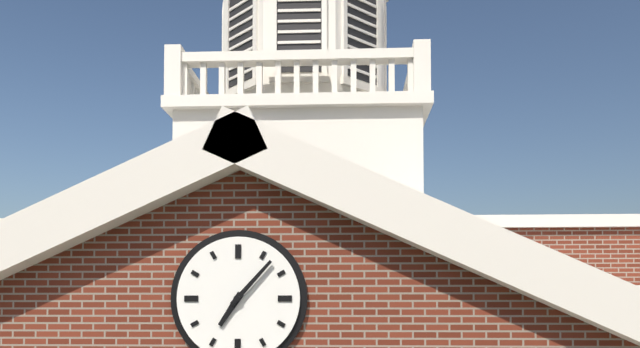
**7:07**
